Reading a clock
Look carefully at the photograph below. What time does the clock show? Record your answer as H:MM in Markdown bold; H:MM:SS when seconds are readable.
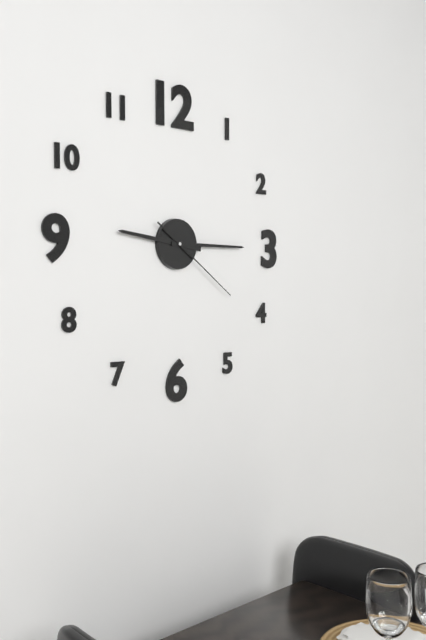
**9:15:21**
